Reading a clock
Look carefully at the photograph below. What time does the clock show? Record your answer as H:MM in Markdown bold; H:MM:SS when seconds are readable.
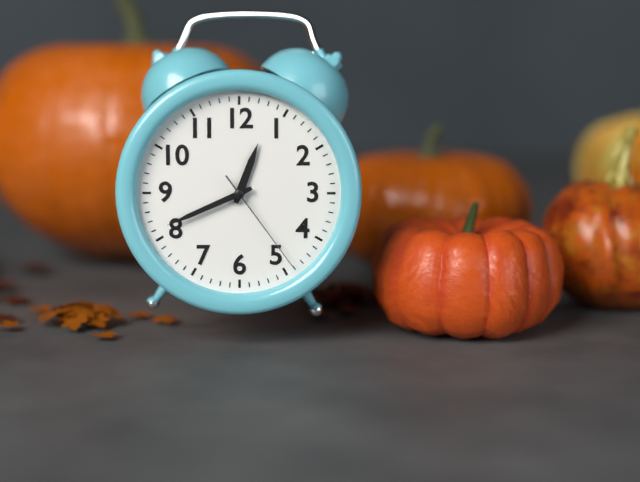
**12:41:24**
